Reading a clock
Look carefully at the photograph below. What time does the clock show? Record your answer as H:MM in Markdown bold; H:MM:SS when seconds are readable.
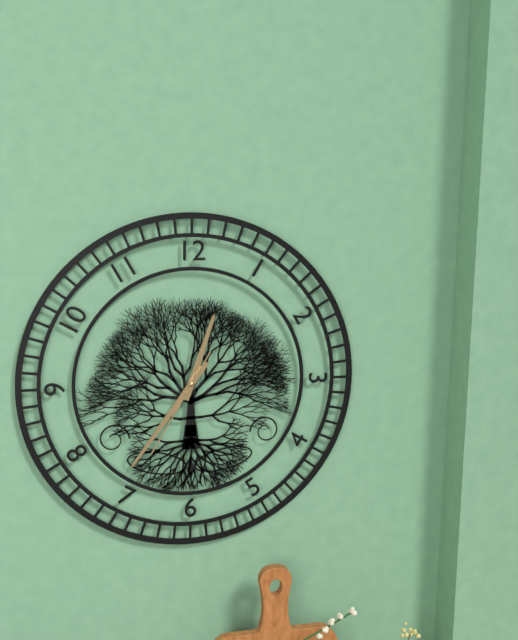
**12:36:35**
